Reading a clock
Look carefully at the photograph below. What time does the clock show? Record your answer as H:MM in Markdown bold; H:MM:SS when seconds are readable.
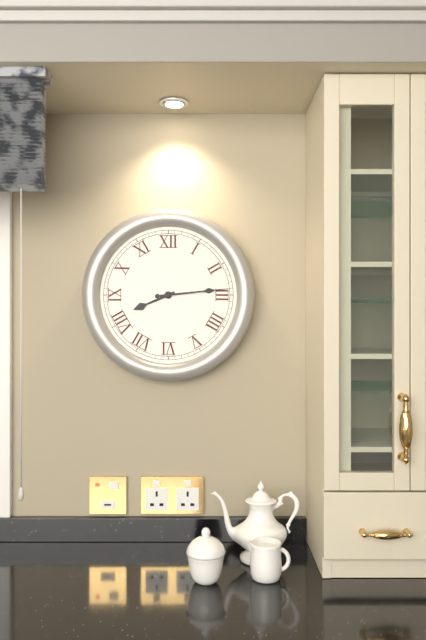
**8:14**
